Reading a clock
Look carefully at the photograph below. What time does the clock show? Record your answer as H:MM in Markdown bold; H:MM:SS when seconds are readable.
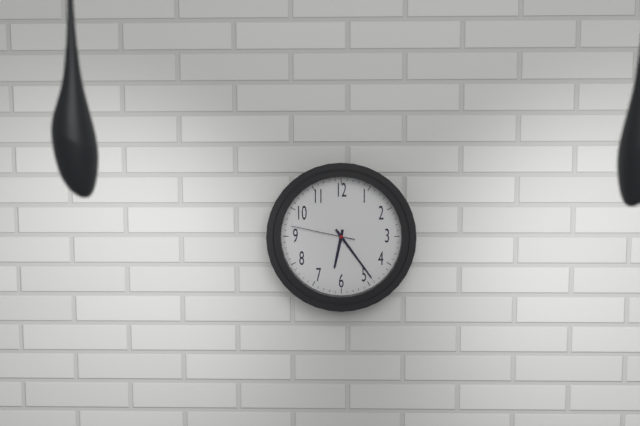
**6:24:47**
